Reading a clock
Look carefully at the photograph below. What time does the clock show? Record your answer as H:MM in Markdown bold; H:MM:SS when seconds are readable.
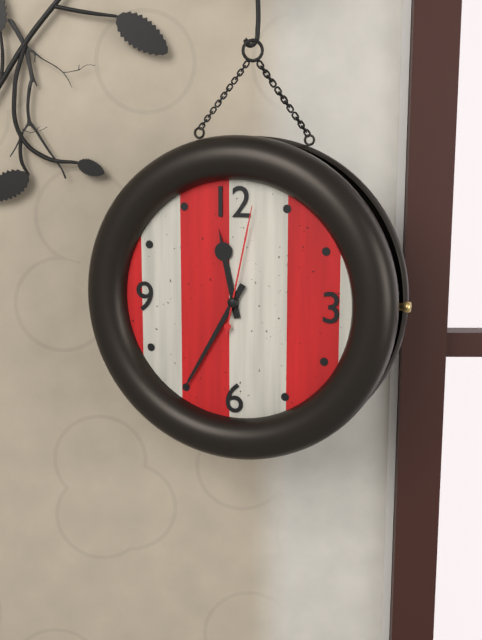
**11:35:02**
